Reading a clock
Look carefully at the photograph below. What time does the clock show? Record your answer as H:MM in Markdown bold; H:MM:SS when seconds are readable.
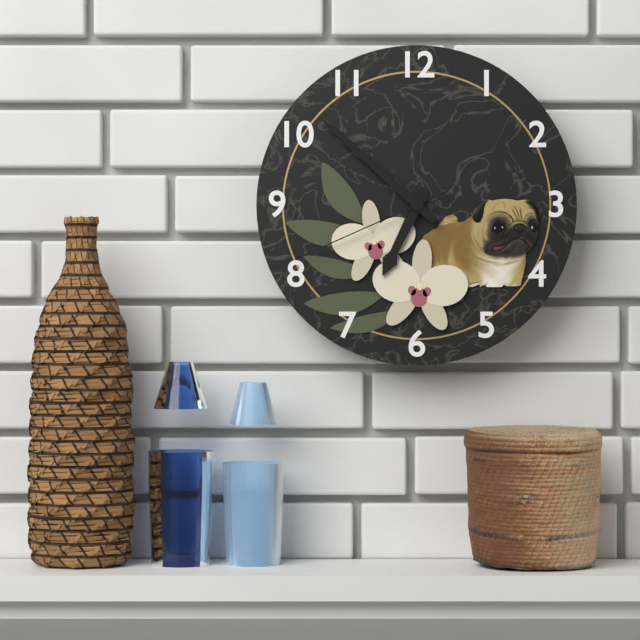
**6:52:41**
